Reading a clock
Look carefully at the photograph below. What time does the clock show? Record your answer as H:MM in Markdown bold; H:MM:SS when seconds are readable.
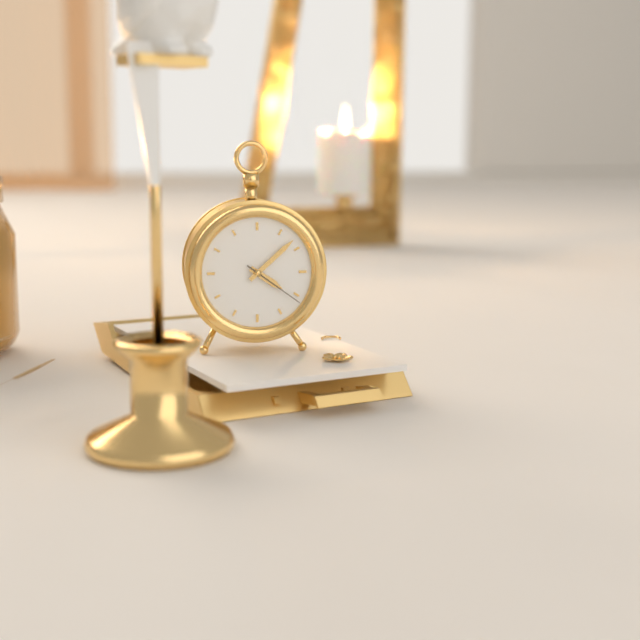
**4:08:21**
